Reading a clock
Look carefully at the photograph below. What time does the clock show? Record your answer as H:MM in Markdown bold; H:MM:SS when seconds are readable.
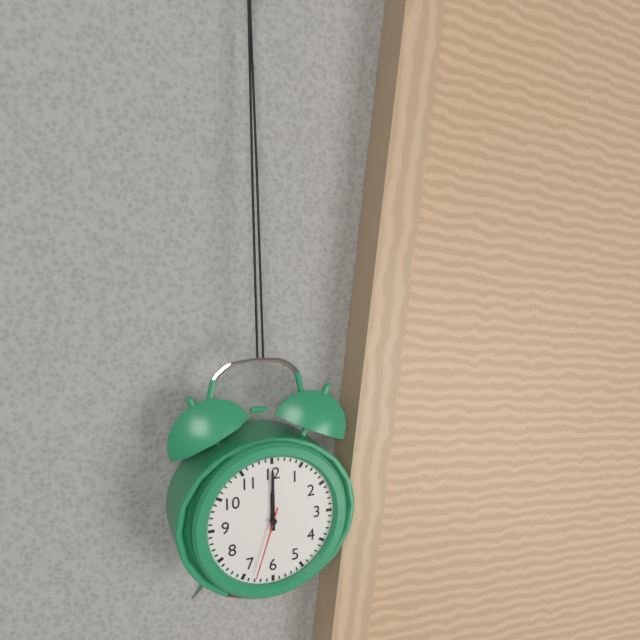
**12:00:33**
